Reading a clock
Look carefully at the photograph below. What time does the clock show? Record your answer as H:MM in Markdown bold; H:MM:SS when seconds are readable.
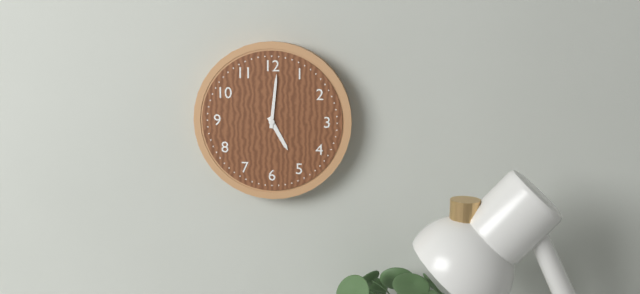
**5:01**
